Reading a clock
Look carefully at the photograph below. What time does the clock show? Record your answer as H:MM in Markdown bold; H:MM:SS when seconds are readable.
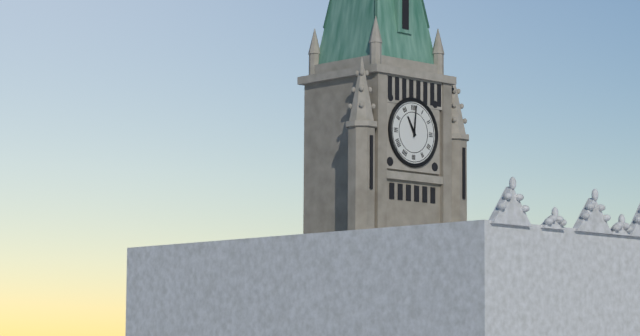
**11:01**
